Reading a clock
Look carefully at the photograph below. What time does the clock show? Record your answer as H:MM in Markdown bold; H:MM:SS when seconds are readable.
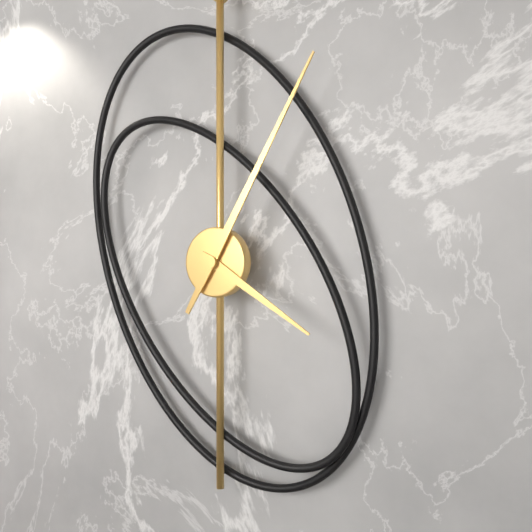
**4:05**
